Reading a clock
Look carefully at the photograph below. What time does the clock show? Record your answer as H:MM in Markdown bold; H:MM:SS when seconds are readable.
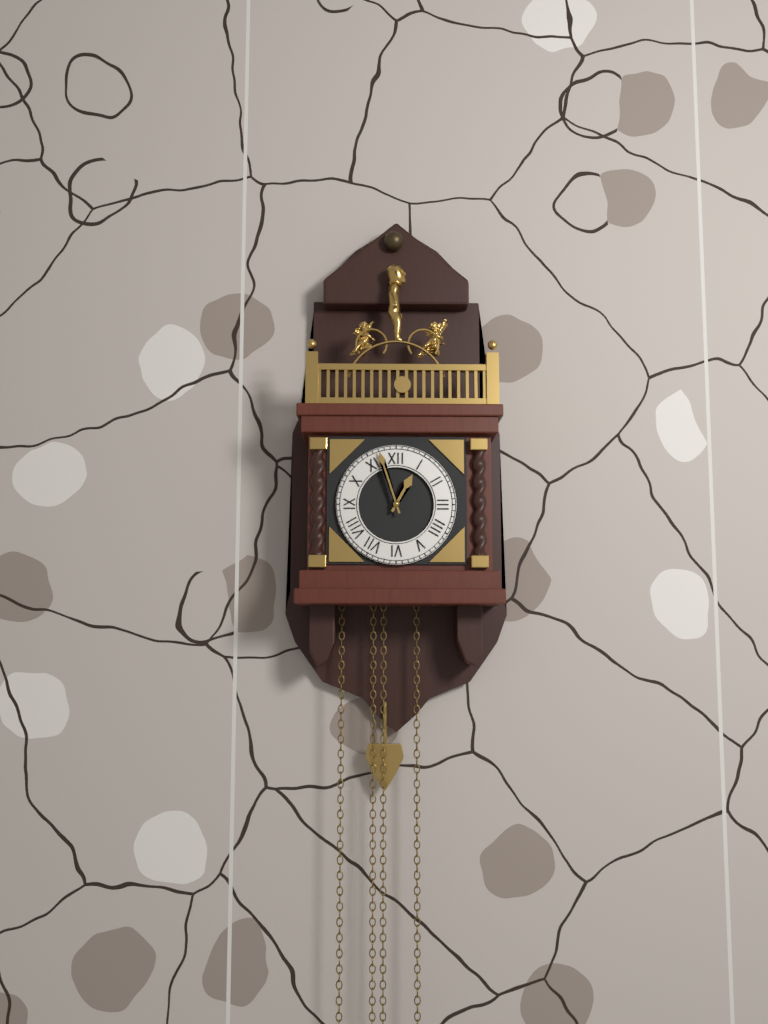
**12:57**
